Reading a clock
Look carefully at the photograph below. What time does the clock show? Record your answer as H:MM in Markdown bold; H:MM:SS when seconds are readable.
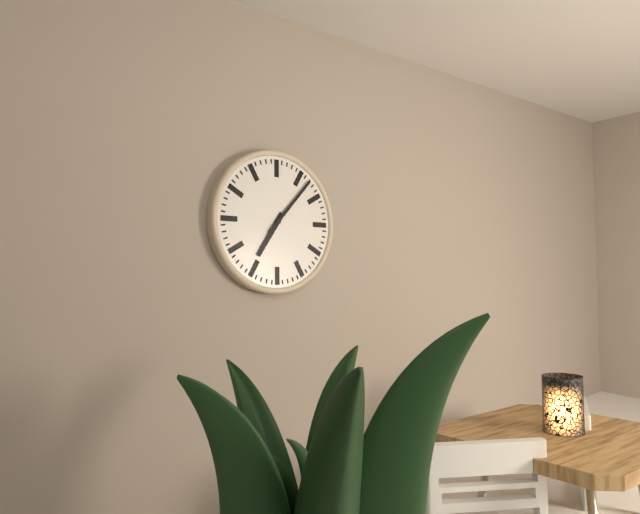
**7:07**
